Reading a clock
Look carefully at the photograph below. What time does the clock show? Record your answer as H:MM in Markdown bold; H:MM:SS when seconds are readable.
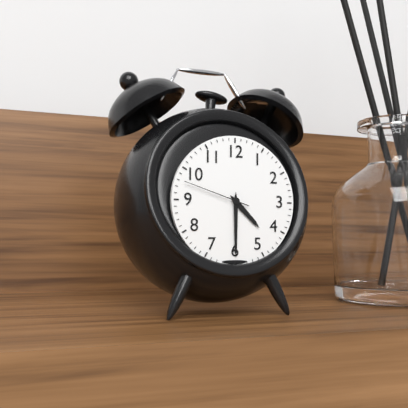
**4:30:48**
